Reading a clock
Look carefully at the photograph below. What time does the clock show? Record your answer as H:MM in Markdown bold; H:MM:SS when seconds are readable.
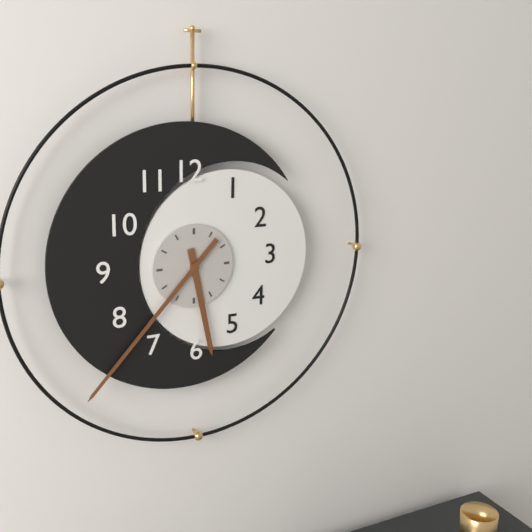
**5:37**
